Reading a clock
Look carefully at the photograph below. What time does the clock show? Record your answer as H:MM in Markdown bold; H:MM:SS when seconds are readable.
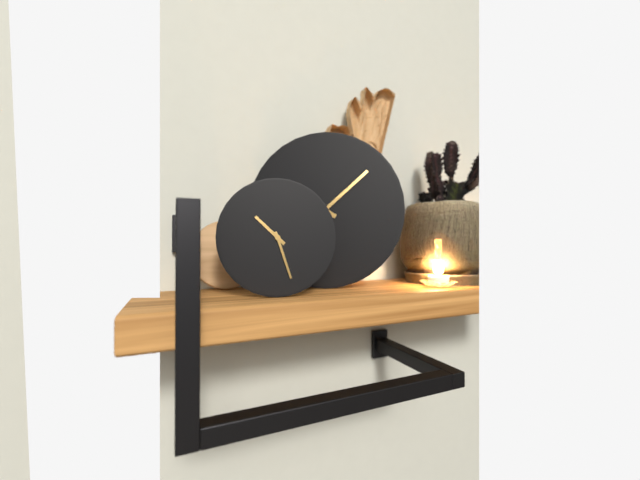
**10:27**
